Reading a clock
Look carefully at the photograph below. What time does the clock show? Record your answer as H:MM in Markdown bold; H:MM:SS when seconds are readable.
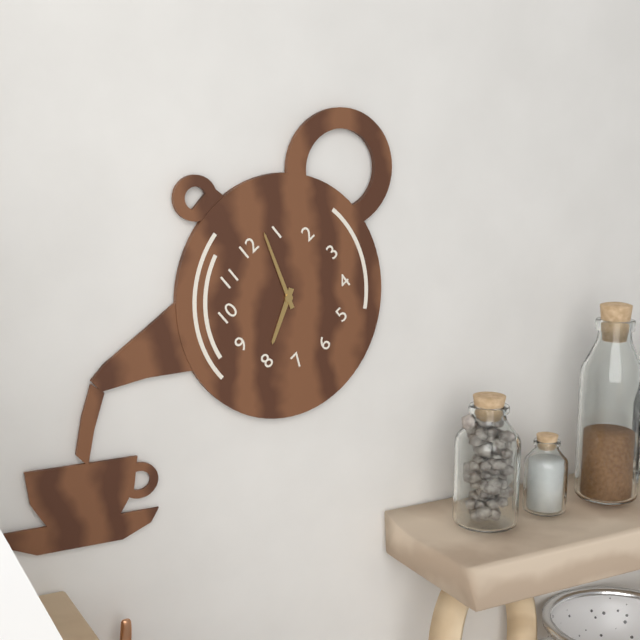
**8:03**
